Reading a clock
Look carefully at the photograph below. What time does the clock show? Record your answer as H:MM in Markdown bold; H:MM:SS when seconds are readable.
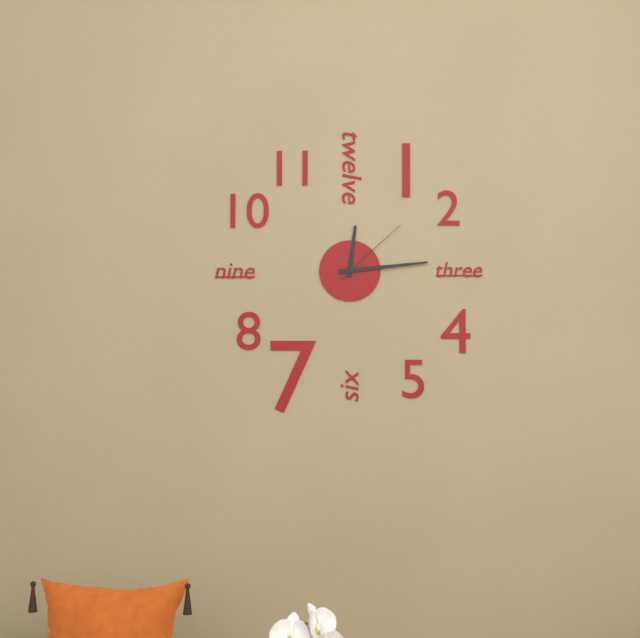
**12:14:08**
